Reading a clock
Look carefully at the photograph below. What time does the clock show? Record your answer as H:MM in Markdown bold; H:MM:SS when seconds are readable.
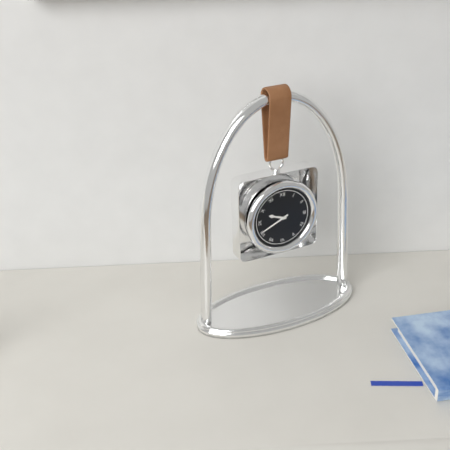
**9:41**
